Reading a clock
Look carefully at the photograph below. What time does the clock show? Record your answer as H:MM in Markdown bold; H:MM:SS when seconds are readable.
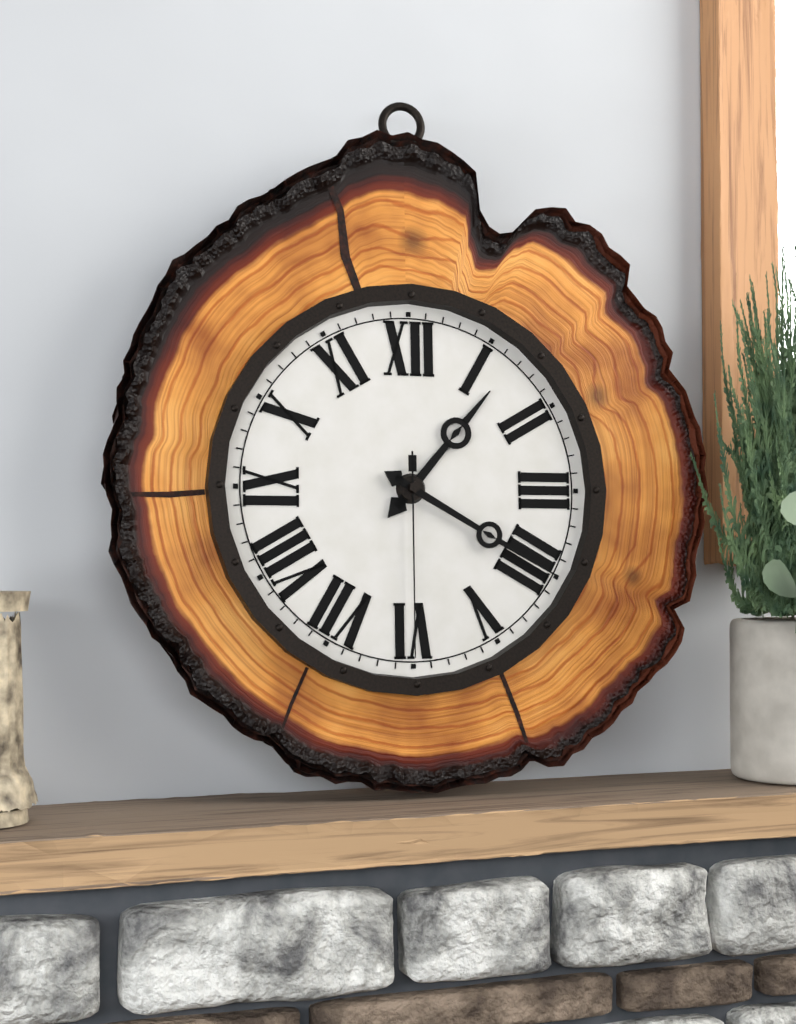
**1:20:30**
